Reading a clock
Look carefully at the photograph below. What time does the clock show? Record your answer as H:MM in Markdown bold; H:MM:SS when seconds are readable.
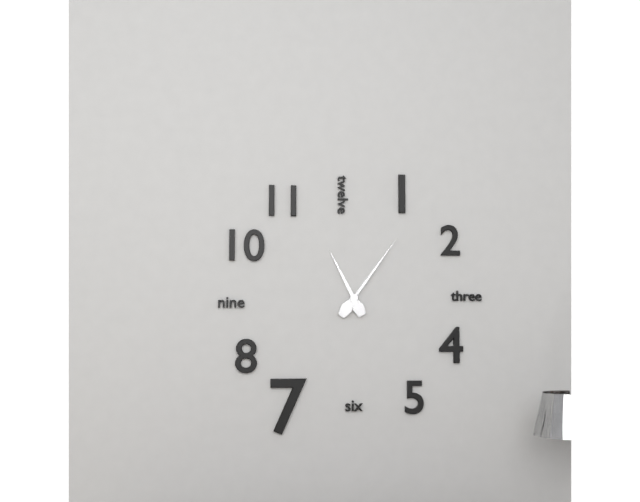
**11:06**
